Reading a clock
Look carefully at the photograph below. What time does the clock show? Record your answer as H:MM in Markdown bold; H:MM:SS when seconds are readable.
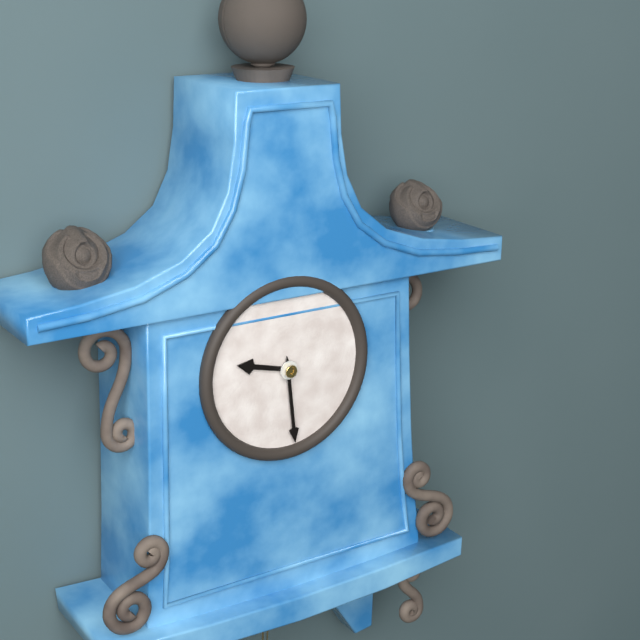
**9:29**
